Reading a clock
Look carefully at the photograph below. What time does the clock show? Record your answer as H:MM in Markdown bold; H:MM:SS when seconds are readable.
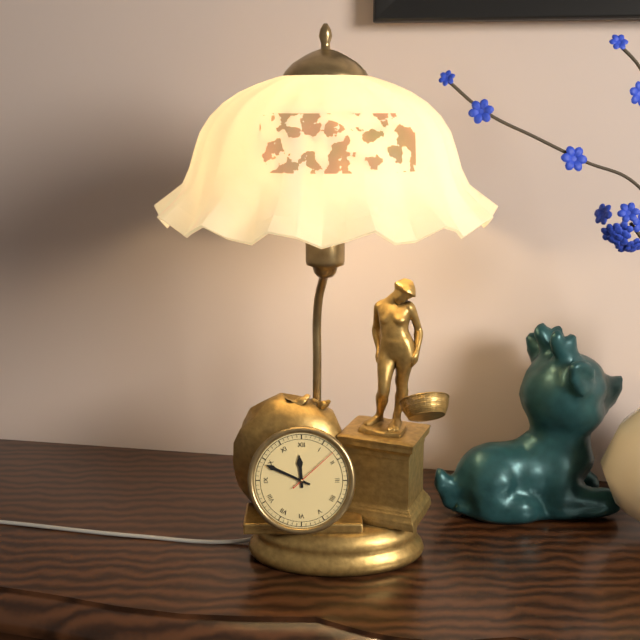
**11:49:08**
